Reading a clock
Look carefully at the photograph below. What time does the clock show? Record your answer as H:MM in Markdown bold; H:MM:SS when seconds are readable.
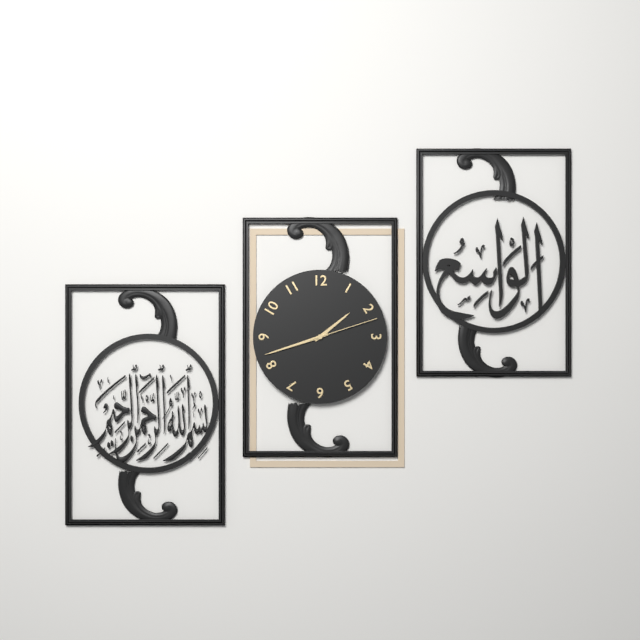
**1:42:12**
